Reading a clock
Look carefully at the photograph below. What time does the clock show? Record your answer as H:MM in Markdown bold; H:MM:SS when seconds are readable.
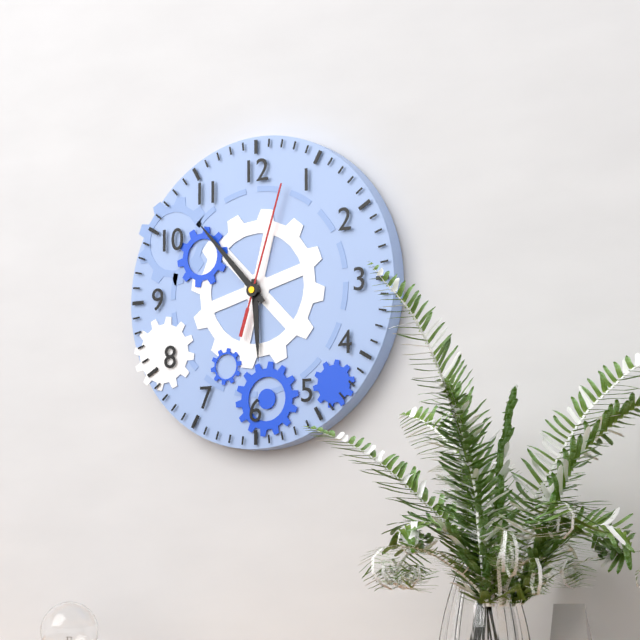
**5:53:03**
